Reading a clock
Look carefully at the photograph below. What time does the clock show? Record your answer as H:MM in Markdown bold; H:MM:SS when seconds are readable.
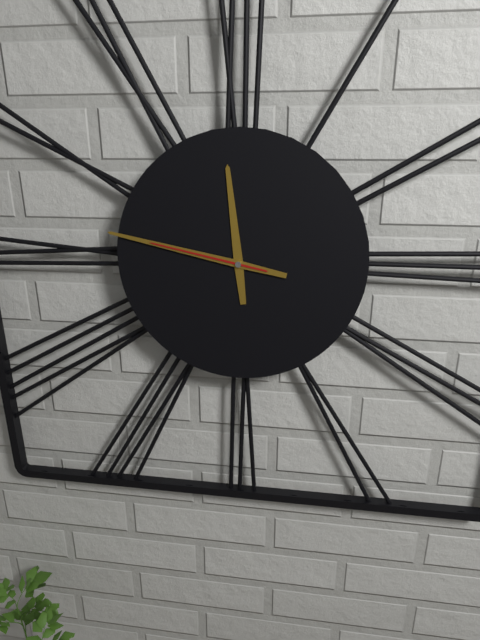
**11:47:47**
